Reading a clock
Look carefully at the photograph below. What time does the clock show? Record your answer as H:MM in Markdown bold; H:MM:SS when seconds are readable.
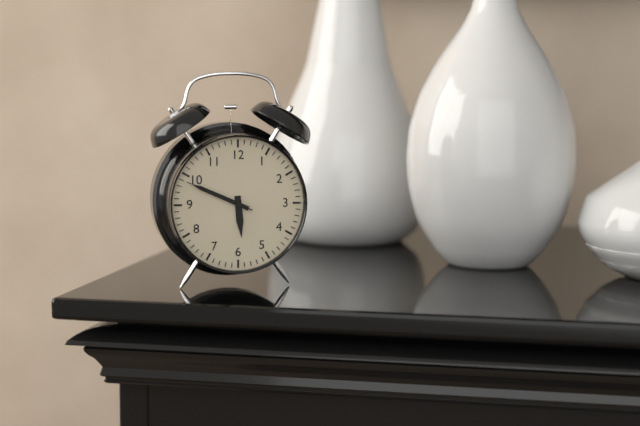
**5:49:49**
